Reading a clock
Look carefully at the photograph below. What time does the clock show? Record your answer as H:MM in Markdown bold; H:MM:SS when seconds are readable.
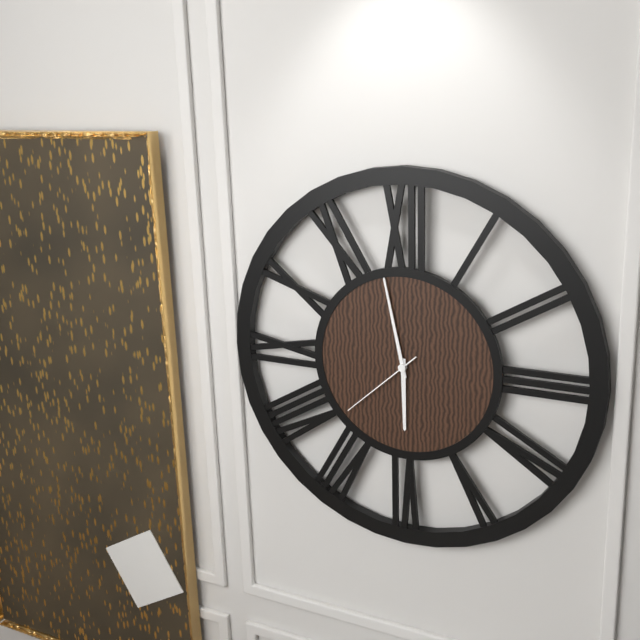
**5:58:38**
